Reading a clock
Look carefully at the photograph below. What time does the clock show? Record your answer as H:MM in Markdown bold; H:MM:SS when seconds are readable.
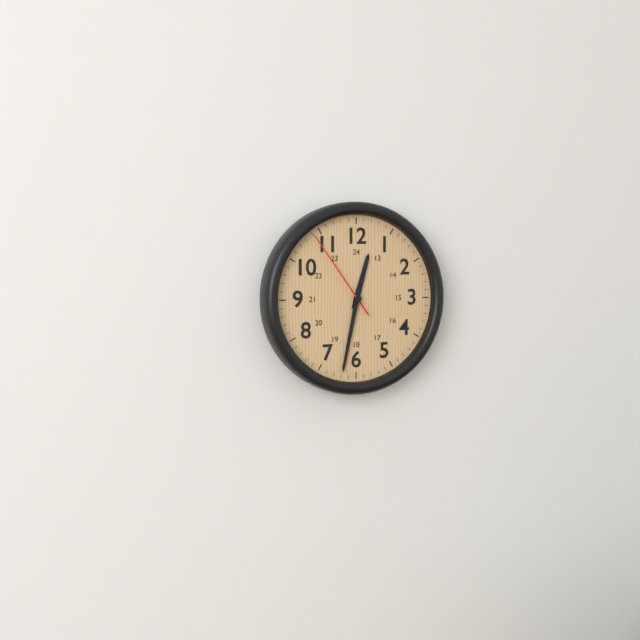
**12:32:54**
